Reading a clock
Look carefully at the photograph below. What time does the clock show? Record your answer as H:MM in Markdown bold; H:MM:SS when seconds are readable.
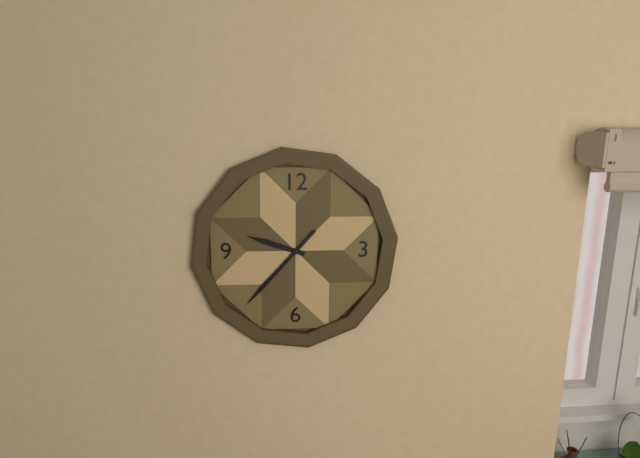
**9:37**
